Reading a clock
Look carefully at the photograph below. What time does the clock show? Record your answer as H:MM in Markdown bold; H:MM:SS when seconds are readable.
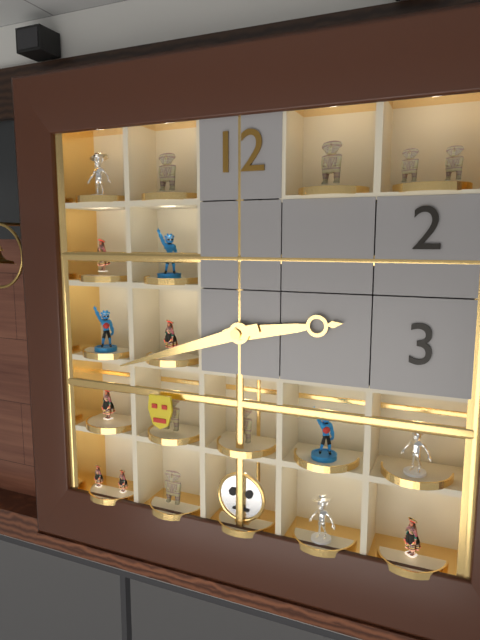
**2:42**
